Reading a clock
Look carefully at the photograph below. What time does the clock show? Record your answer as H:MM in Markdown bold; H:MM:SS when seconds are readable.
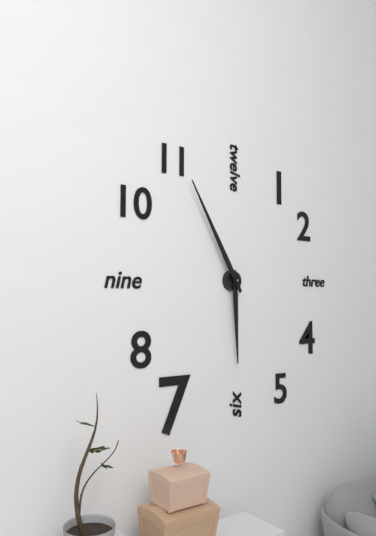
**5:55**
